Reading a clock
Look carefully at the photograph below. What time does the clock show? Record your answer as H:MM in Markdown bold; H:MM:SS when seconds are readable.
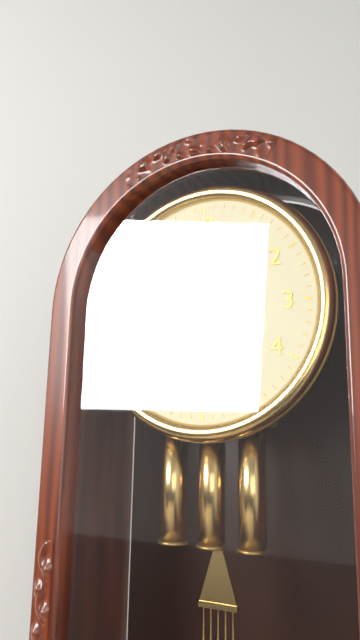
**3:56**
